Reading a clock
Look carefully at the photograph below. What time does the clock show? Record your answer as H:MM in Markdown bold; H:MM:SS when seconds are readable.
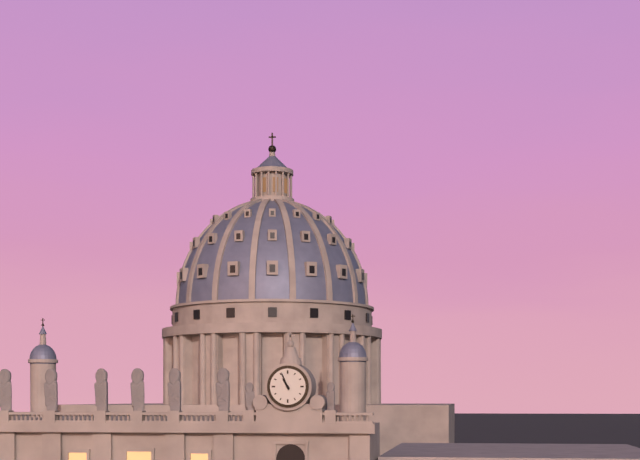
**10:56**
